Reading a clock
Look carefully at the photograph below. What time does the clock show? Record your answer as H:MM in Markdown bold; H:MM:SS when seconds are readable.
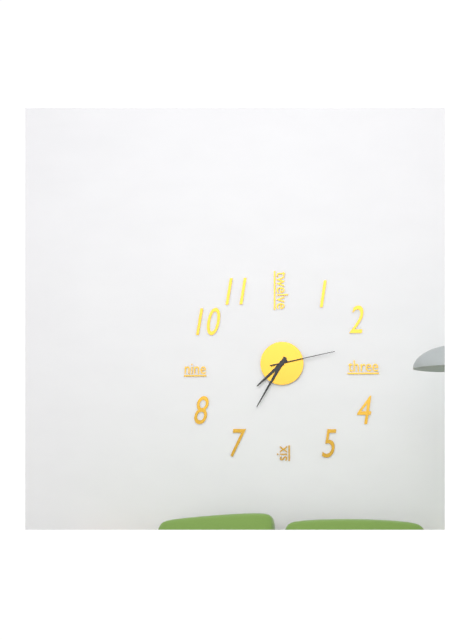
**7:35:13**
